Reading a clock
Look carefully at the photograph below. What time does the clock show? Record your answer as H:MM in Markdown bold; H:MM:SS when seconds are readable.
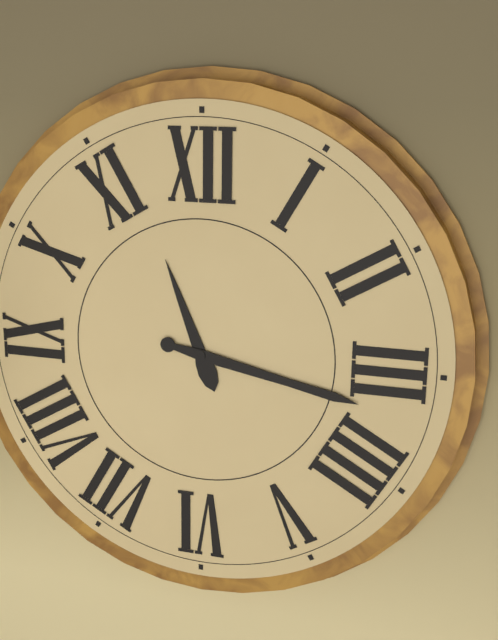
**11:17**
